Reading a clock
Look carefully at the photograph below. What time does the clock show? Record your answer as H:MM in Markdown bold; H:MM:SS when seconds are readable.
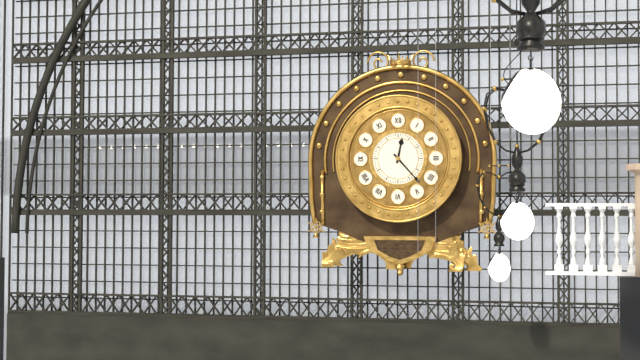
**12:23**
